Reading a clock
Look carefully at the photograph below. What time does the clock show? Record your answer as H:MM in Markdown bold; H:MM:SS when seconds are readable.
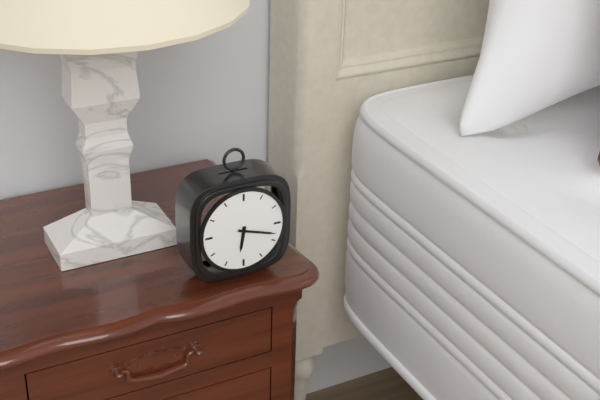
**6:18**
